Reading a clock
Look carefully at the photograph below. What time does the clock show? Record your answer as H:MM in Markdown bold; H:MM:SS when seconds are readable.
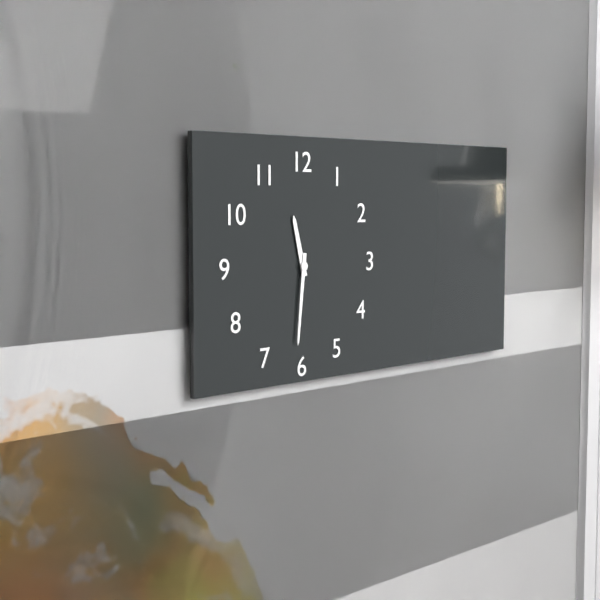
**11:31**
